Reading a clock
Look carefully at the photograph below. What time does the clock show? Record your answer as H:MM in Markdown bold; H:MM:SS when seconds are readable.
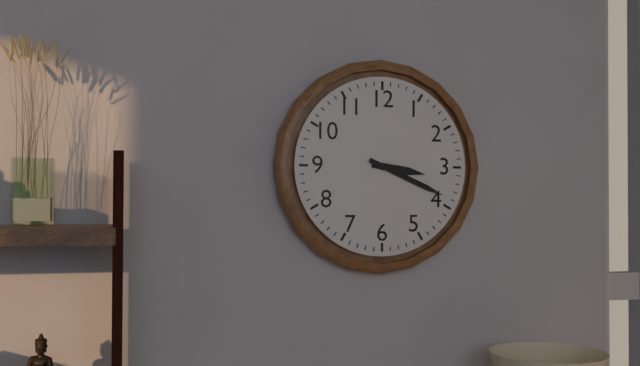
**3:19**
